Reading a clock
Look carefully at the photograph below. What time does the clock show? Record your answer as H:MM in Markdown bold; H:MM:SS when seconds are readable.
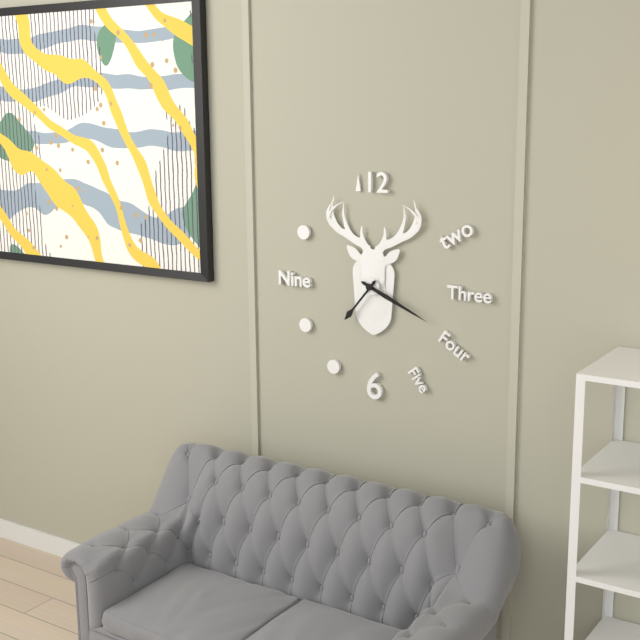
**7:19**
